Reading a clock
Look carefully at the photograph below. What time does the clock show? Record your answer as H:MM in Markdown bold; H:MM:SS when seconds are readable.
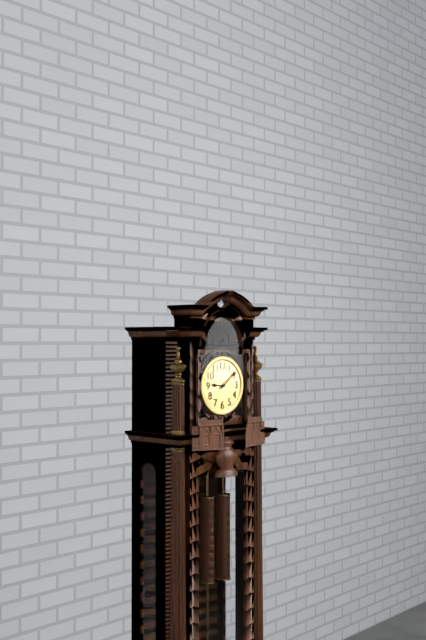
**9:09**
